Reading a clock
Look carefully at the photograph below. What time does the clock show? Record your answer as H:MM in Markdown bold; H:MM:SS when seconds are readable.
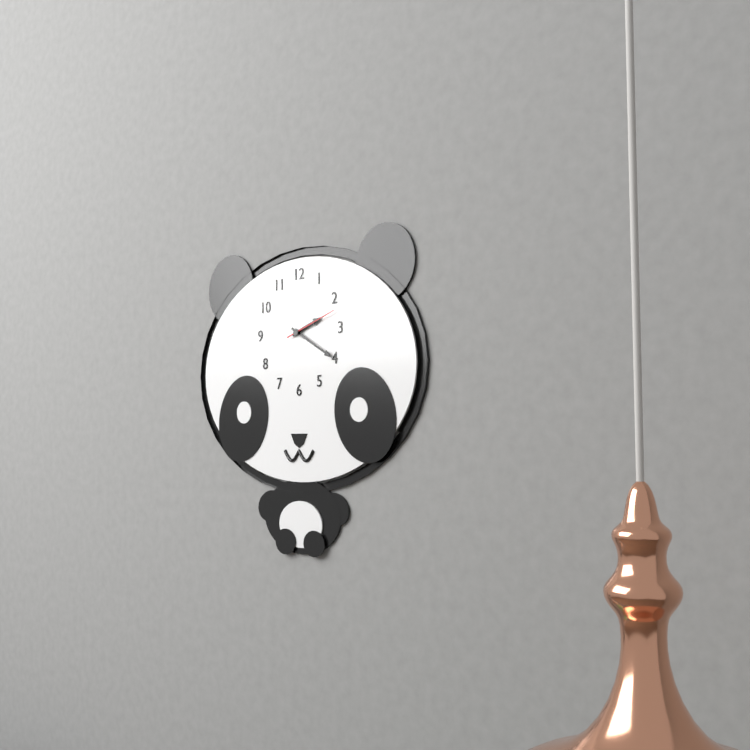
**2:20:12**
